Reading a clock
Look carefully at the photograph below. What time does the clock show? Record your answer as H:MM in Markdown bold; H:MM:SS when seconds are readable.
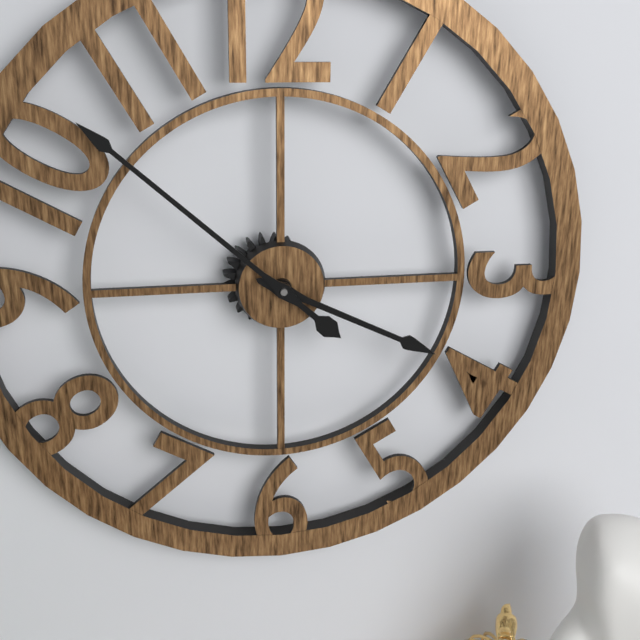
**3:52**
